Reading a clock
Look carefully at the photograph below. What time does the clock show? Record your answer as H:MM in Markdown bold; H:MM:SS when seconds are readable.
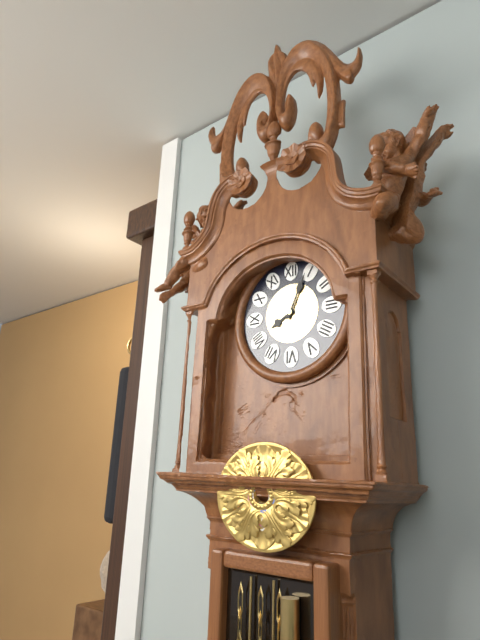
**8:04**
